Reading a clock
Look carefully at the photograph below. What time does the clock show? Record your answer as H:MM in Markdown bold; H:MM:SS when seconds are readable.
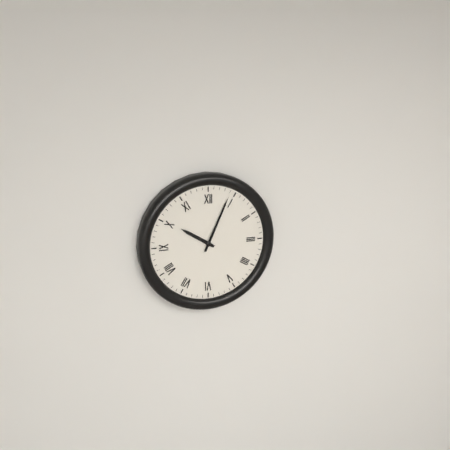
**10:04**
